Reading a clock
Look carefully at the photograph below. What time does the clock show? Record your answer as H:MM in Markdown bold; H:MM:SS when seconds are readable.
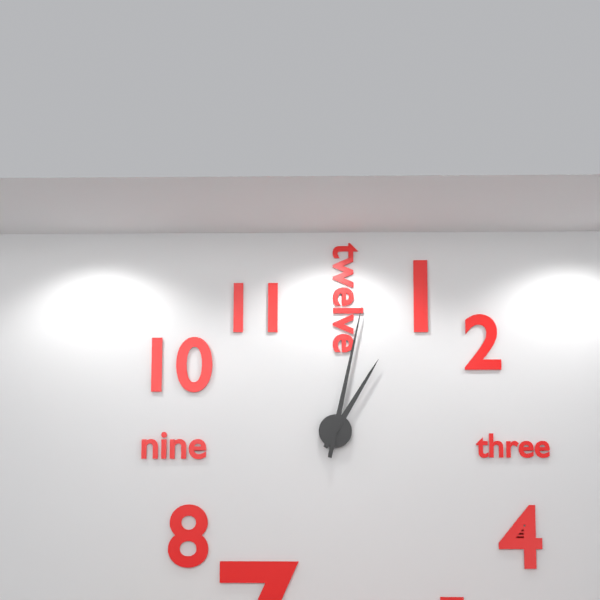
**1:02**
